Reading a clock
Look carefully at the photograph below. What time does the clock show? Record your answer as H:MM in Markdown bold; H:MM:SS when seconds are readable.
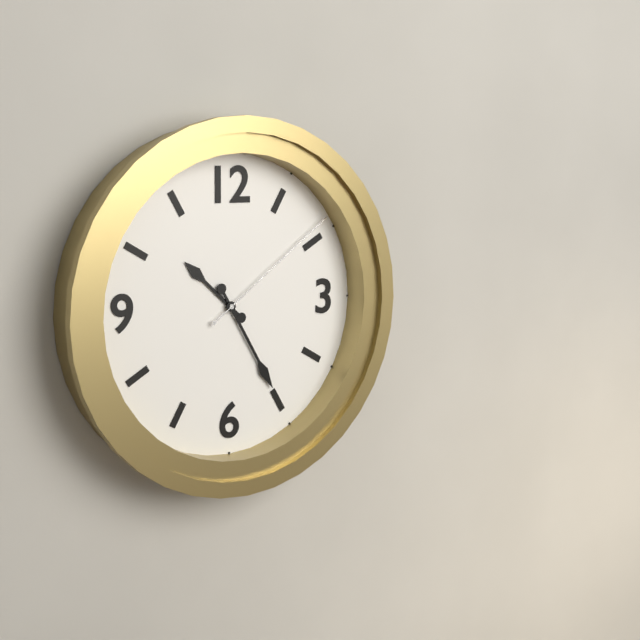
**10:25:09**
